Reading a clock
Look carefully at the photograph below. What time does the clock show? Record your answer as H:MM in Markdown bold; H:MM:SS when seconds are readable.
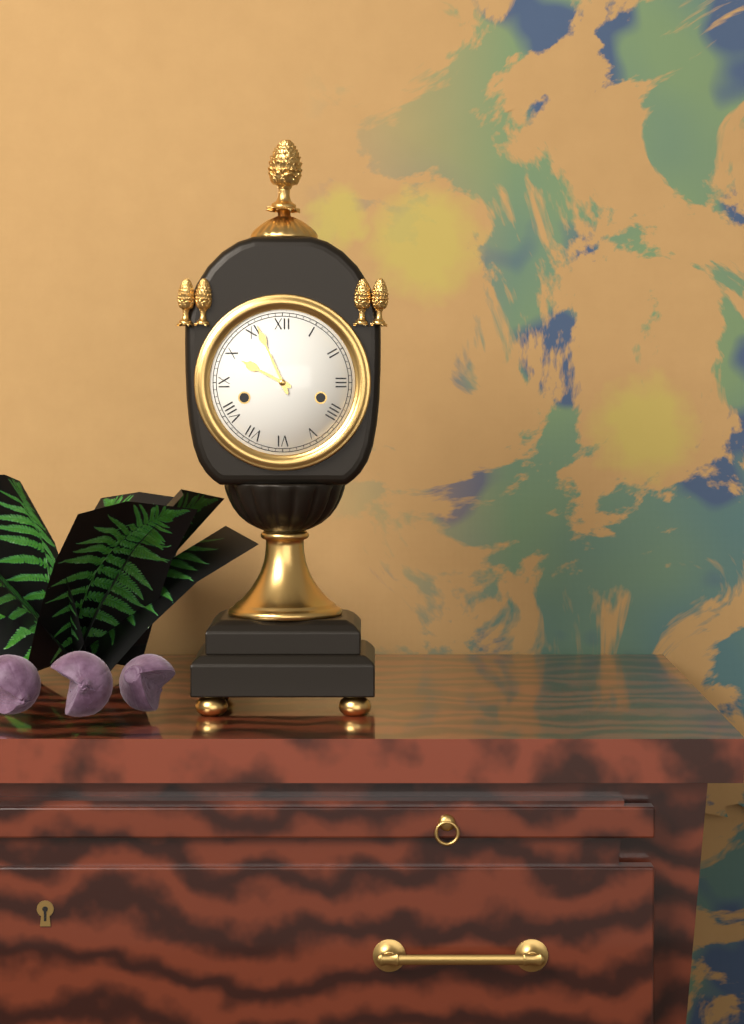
**9:56**
